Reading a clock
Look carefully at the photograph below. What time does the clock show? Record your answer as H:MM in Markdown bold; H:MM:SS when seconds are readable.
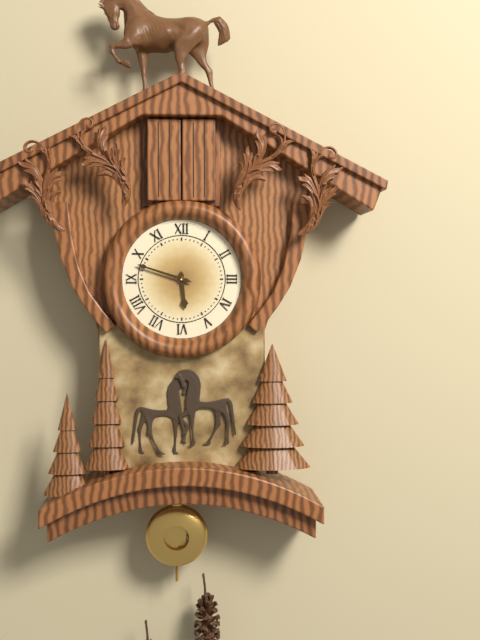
**5:48**
